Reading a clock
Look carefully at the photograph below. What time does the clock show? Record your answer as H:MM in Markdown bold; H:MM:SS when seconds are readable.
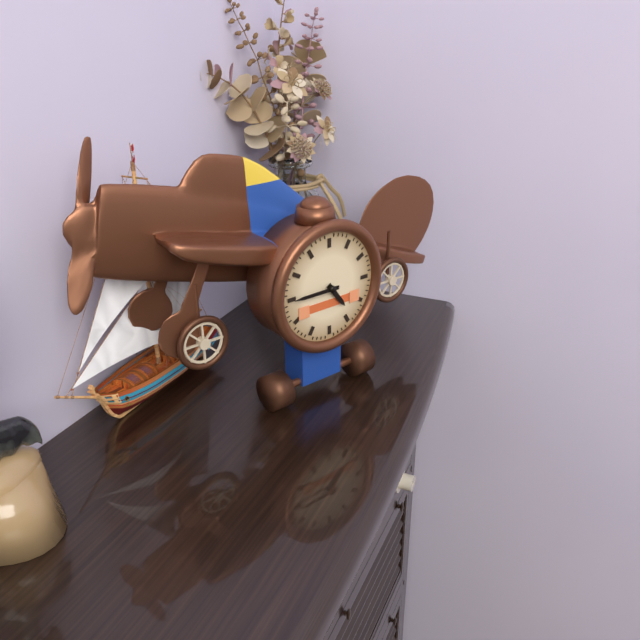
**4:45**
